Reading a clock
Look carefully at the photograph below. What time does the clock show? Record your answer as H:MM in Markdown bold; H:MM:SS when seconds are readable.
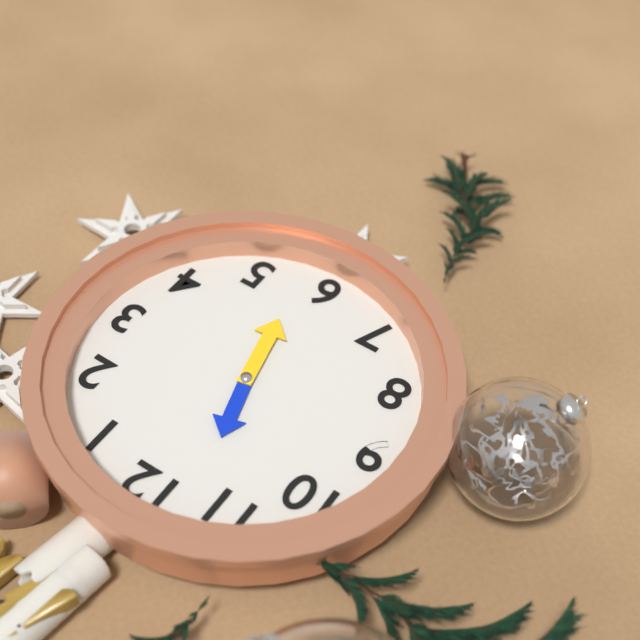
**11:28**
